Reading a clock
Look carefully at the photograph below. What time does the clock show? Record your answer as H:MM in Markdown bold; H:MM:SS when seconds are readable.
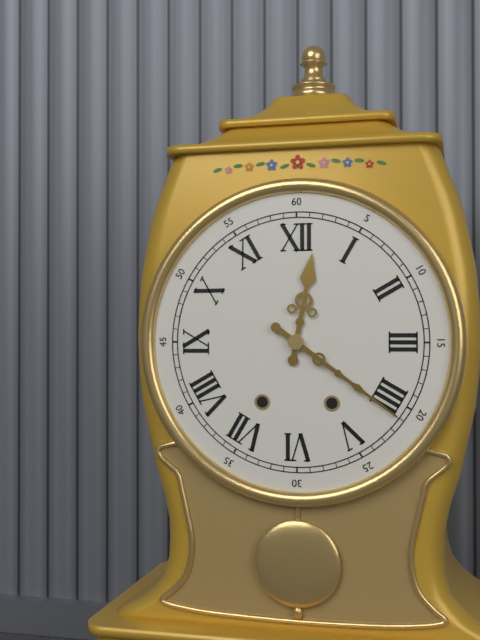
**12:21**
